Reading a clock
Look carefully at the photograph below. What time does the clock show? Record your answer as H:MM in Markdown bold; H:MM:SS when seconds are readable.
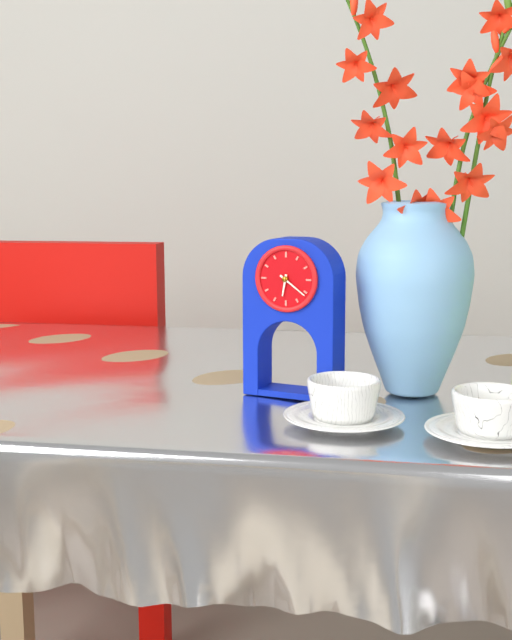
**6:21**
